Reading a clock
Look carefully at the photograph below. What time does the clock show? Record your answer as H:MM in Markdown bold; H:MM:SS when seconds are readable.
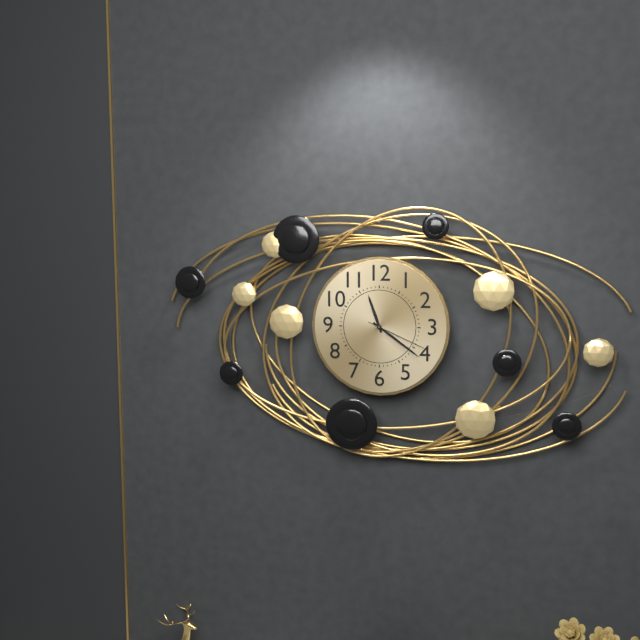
**11:21:19**
